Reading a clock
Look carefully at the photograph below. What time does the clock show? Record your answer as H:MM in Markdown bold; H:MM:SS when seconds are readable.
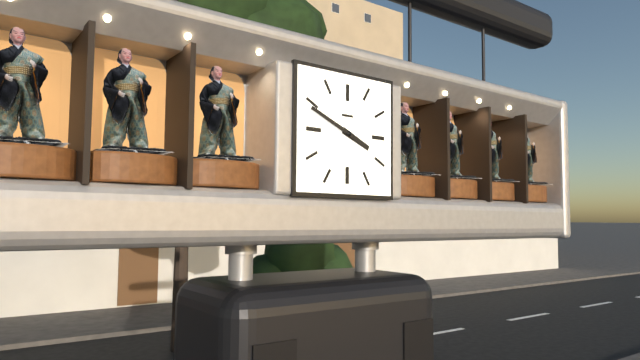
**3:49**
